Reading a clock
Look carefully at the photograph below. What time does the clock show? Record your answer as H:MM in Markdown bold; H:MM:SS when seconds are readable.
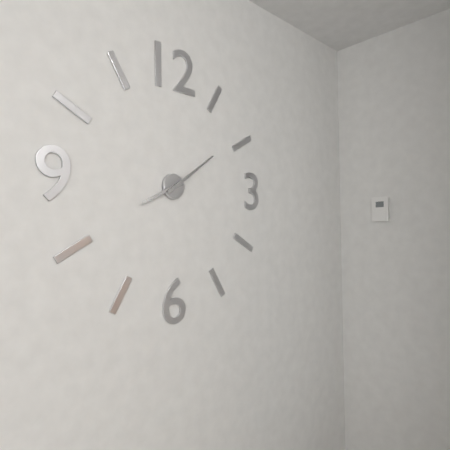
**8:09**
